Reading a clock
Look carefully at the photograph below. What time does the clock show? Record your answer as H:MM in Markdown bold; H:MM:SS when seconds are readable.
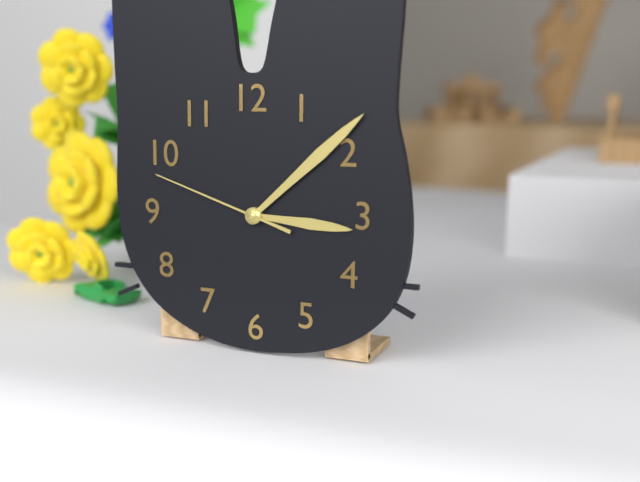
**3:08:48**
